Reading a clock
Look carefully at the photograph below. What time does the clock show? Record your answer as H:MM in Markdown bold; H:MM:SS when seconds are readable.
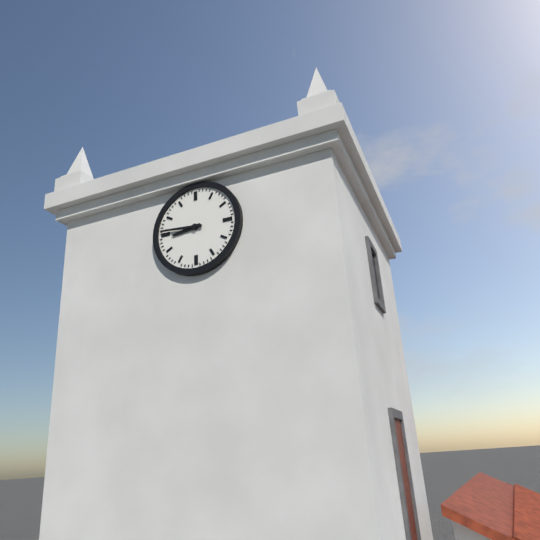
**8:46**
